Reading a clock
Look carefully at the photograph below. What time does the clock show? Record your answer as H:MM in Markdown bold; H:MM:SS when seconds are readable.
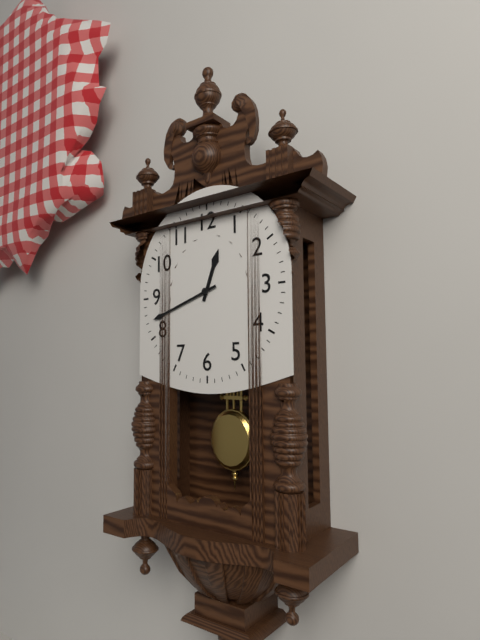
**12:42**
